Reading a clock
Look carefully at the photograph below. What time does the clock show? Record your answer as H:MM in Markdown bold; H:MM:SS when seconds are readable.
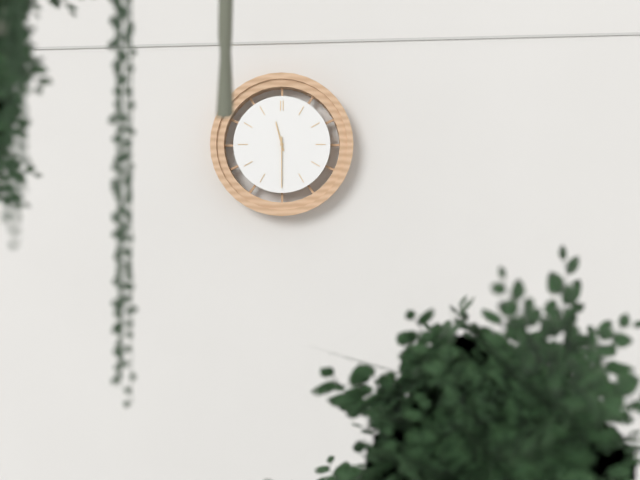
**11:30**
